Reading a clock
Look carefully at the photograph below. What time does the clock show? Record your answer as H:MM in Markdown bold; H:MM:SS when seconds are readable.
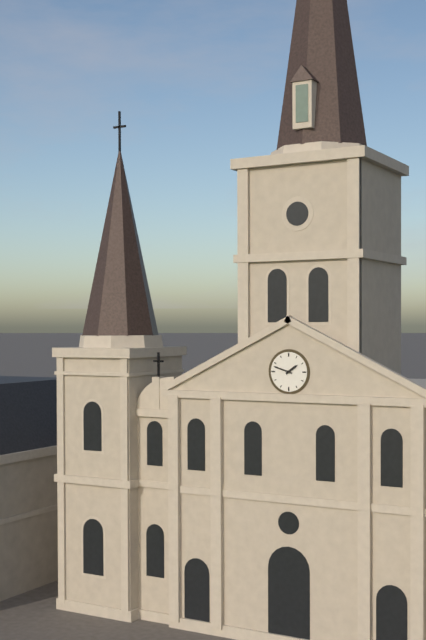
**1:48**
